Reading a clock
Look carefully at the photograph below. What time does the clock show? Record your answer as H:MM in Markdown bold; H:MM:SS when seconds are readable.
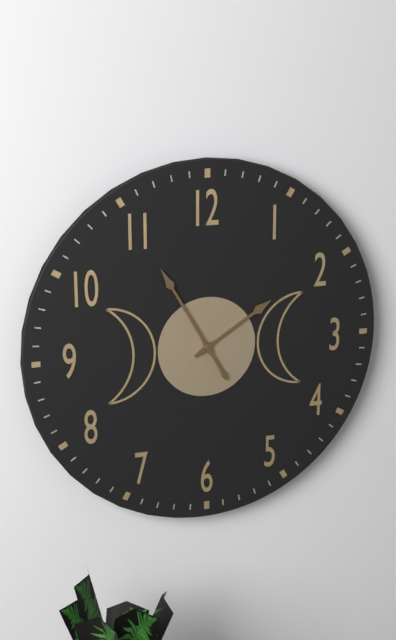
**1:55**
